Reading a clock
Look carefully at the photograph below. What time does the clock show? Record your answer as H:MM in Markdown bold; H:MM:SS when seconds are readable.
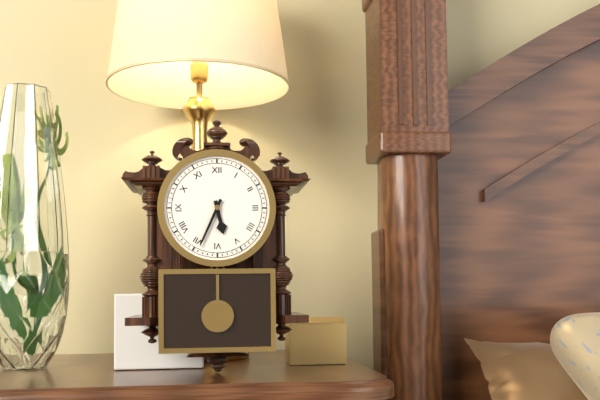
**5:34**
